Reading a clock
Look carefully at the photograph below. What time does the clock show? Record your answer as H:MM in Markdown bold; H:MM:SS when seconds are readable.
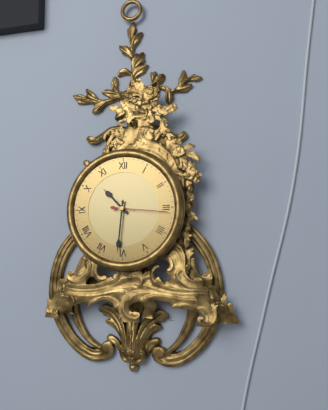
**10:31**
